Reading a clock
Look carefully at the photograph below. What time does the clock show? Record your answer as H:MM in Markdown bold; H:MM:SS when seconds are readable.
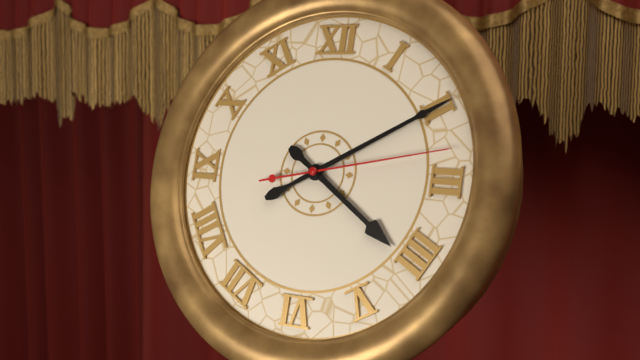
**4:10:13**
